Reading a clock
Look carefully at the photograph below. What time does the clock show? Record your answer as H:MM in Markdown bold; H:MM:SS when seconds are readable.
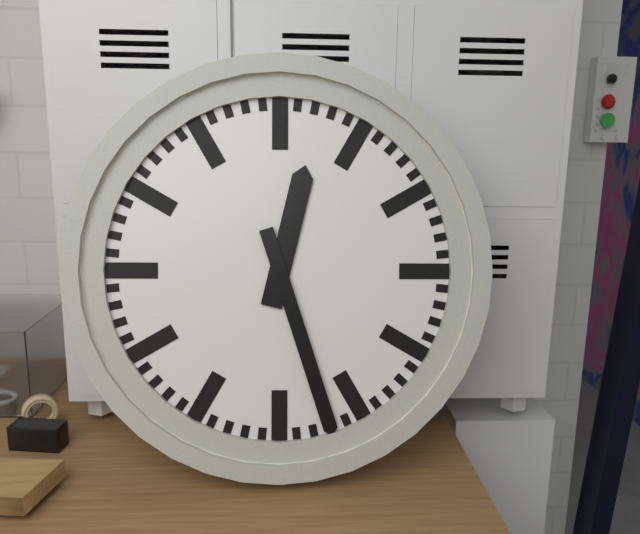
**12:27**
